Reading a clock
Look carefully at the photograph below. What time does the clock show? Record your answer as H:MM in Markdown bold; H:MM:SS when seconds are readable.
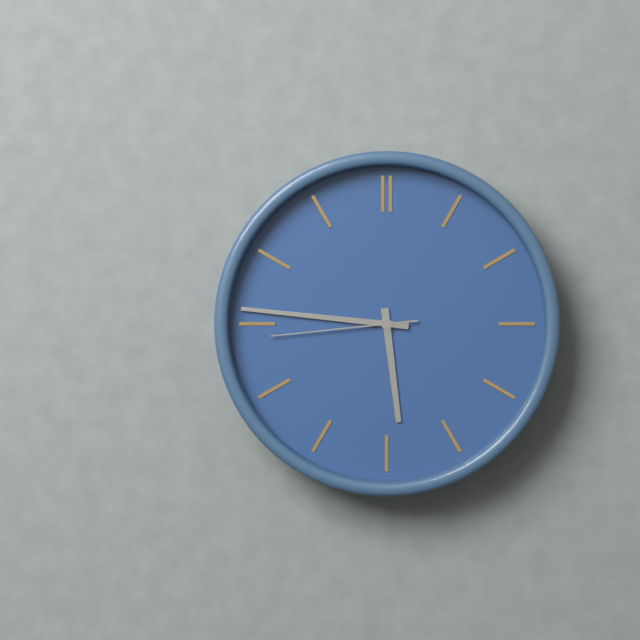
**5:46:44**
